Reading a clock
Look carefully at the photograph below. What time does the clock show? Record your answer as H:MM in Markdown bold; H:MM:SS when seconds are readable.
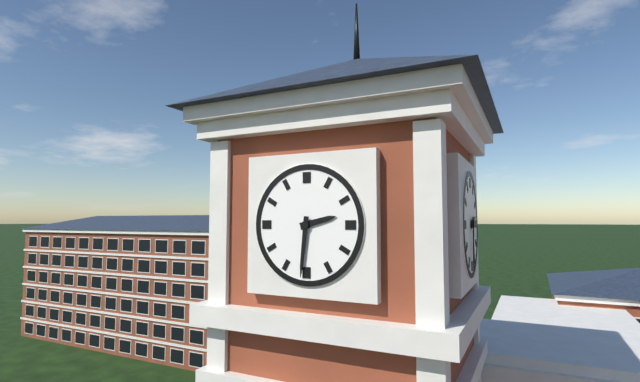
**2:31**
